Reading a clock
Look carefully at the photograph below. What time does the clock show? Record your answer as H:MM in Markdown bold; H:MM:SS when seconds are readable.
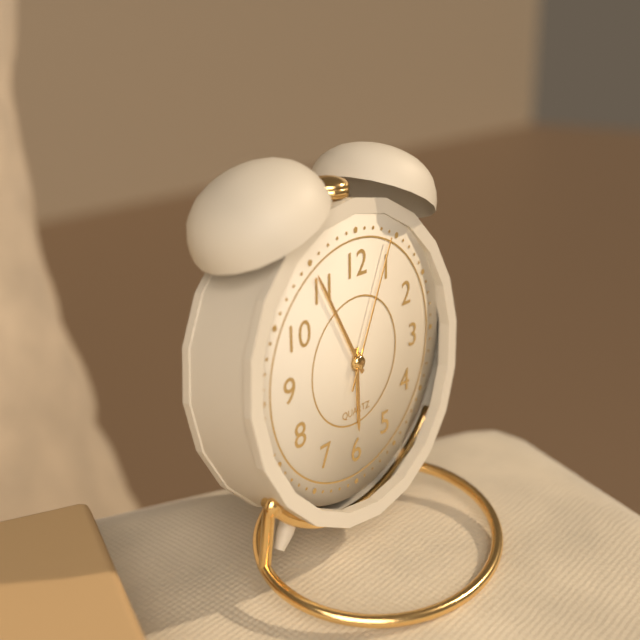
**5:55:04**
